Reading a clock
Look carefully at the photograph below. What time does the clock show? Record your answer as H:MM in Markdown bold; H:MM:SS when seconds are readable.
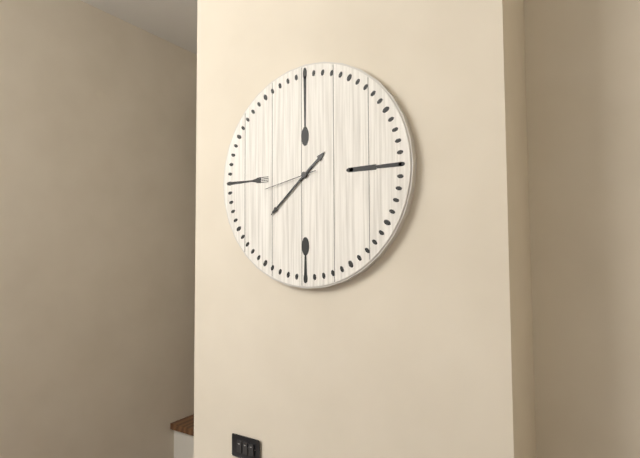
**1:38:43**
